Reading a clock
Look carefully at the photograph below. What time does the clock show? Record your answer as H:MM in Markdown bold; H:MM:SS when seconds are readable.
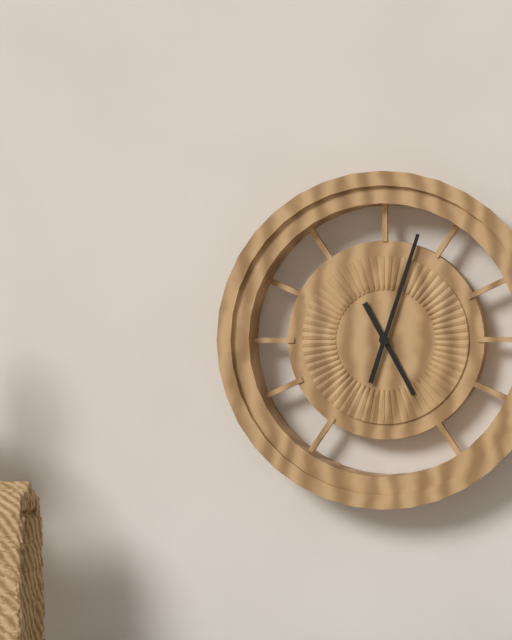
**5:03**
